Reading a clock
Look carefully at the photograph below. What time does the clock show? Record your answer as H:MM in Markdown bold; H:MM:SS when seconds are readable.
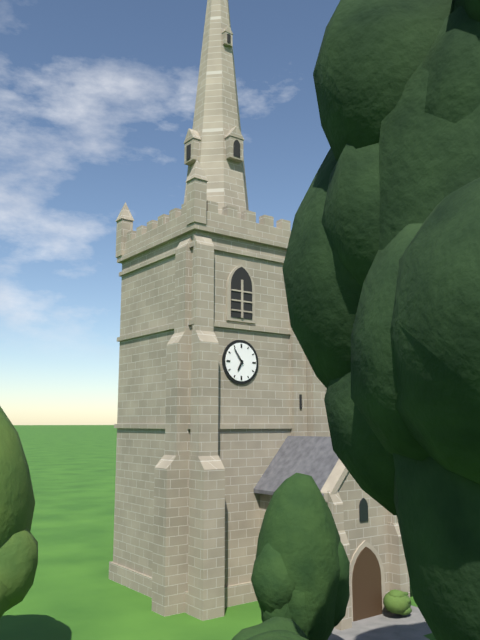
**6:54**
